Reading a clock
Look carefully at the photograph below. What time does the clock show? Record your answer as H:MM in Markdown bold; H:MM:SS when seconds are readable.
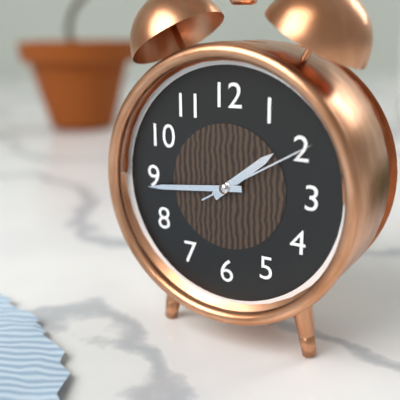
**1:44:10**
